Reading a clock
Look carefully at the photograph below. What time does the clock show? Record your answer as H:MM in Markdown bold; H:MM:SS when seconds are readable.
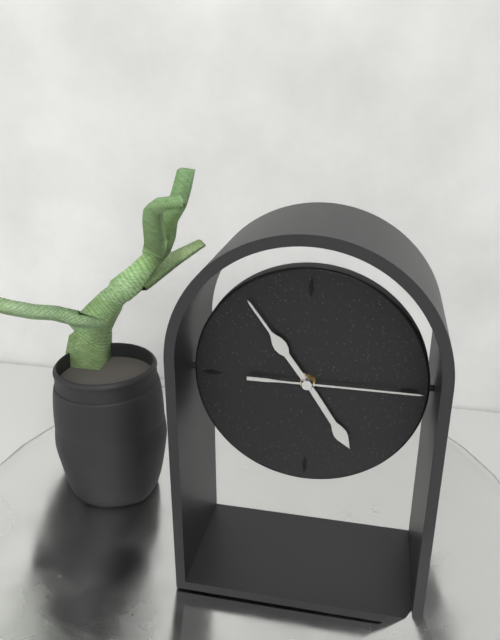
**4:54:15**
